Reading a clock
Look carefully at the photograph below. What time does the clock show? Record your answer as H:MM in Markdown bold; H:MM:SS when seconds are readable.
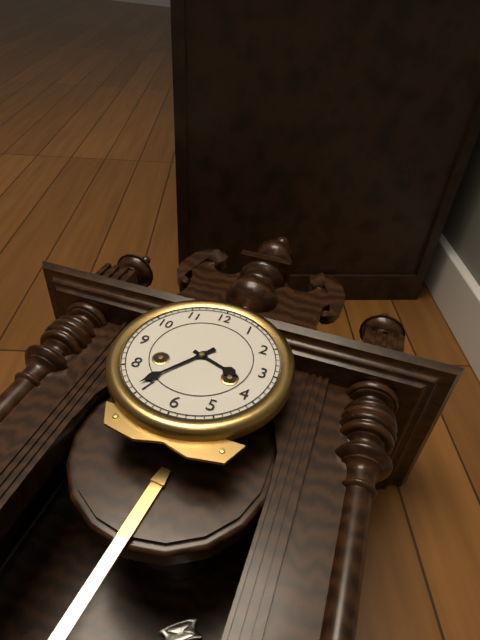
**3:36**
